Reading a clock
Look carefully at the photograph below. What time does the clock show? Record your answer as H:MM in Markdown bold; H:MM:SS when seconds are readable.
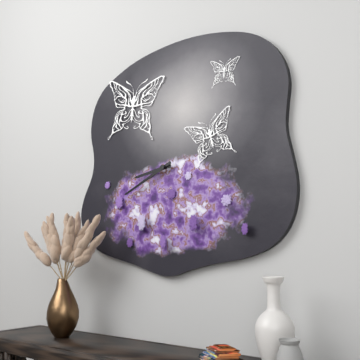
**8:41**
